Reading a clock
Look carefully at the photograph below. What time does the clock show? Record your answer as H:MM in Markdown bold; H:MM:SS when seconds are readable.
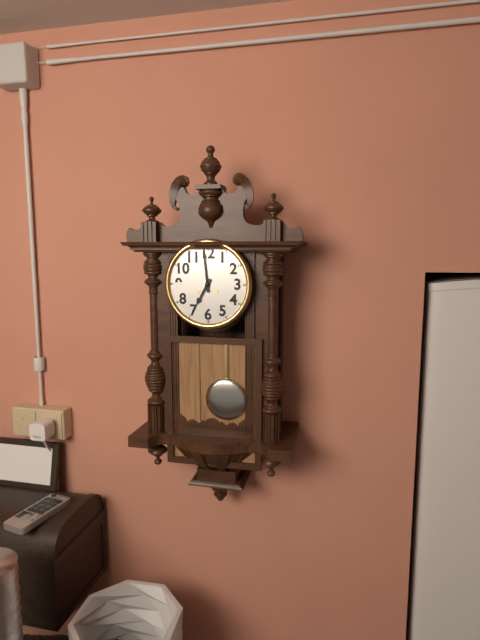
**6:59**
